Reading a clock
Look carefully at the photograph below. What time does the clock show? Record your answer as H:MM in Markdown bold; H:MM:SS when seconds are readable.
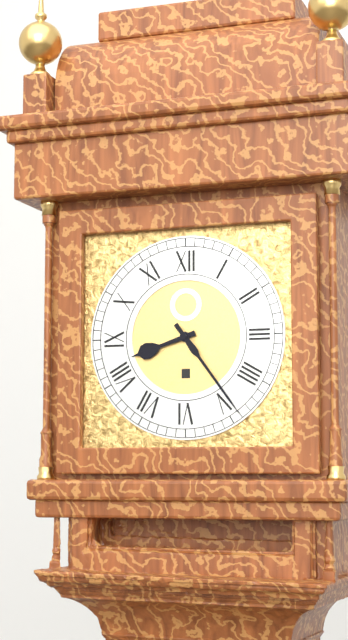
**8:24**
